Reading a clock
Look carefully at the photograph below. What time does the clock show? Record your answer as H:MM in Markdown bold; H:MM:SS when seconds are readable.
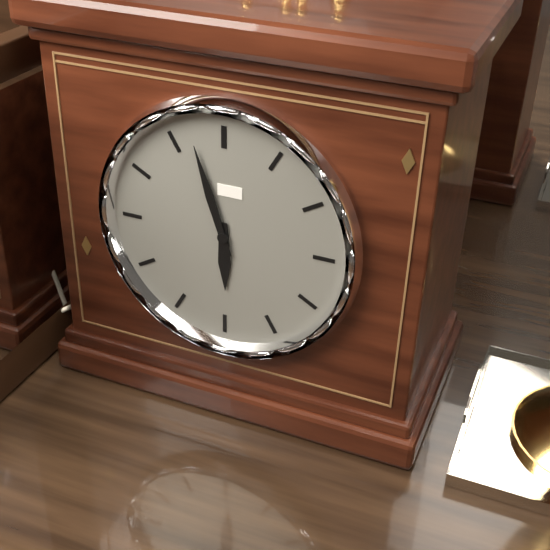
**5:57**
